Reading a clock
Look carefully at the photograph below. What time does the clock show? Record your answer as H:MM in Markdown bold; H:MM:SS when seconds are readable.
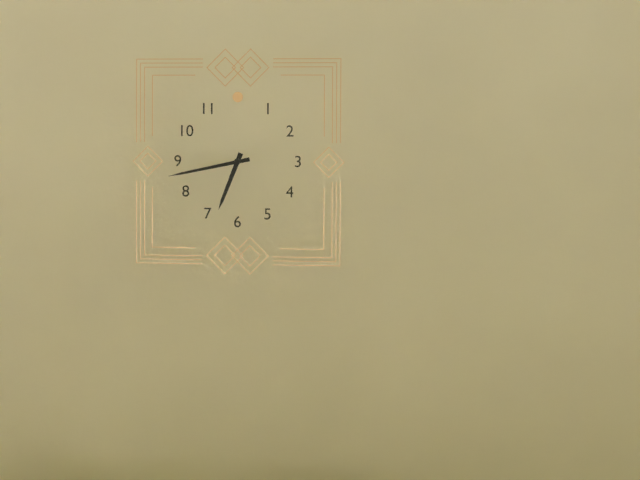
**6:43**
